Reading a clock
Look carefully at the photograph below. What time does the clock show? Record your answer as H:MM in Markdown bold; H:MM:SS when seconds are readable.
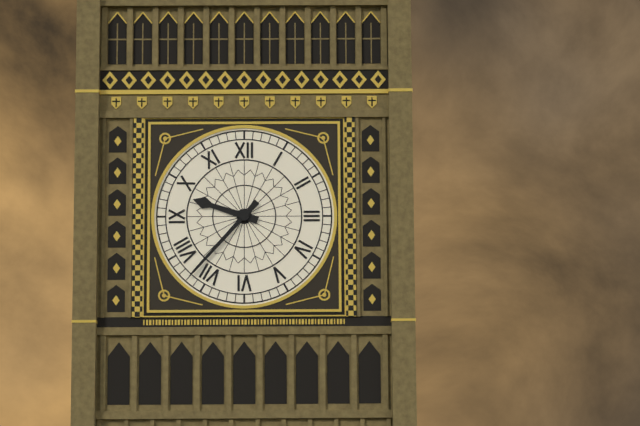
**9:37**
